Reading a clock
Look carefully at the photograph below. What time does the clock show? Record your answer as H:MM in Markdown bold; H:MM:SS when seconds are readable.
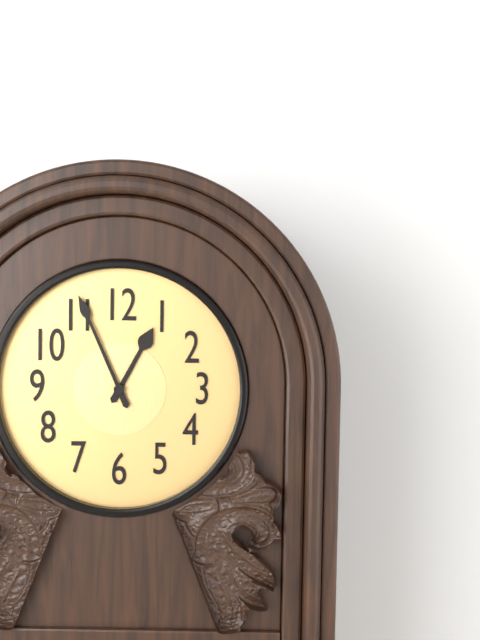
**12:56**
